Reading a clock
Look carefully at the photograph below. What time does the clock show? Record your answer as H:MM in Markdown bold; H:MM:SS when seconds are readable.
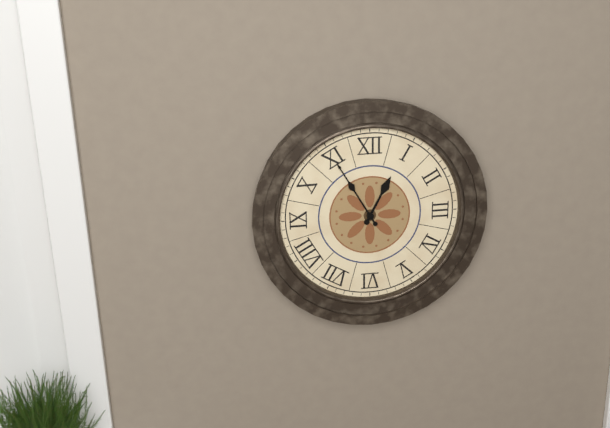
**12:55**
